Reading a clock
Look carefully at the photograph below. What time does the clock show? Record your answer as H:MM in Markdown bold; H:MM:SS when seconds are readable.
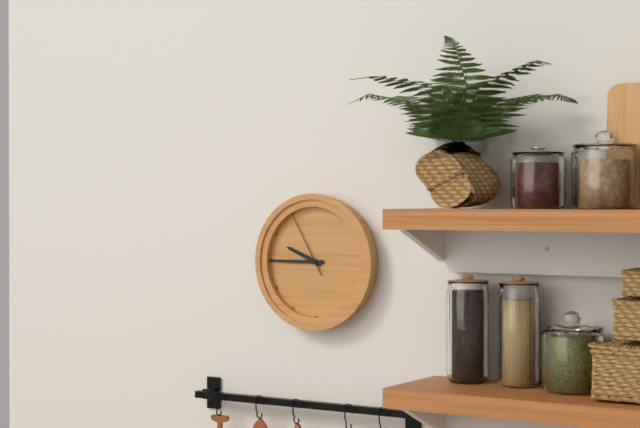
**9:45:55**
